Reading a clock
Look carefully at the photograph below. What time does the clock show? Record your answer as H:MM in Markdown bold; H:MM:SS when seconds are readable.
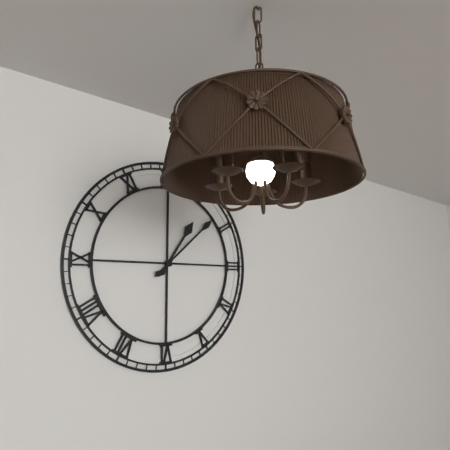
**1:08**
